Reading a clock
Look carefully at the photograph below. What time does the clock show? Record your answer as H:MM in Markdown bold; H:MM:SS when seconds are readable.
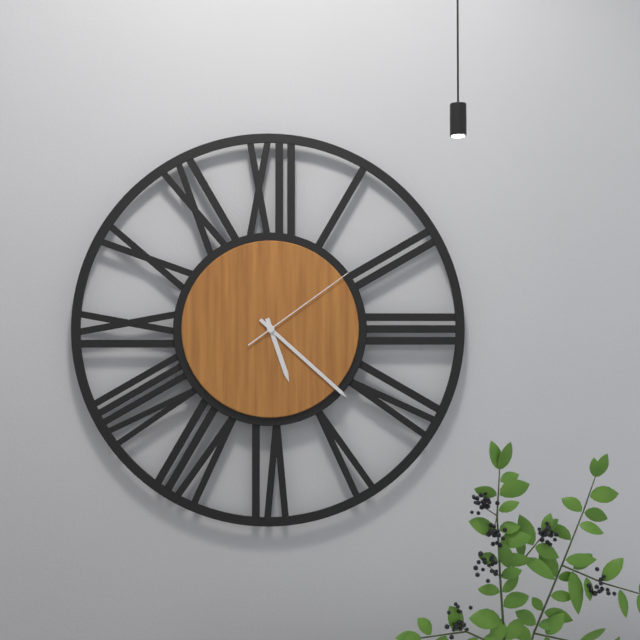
**5:22:09**
